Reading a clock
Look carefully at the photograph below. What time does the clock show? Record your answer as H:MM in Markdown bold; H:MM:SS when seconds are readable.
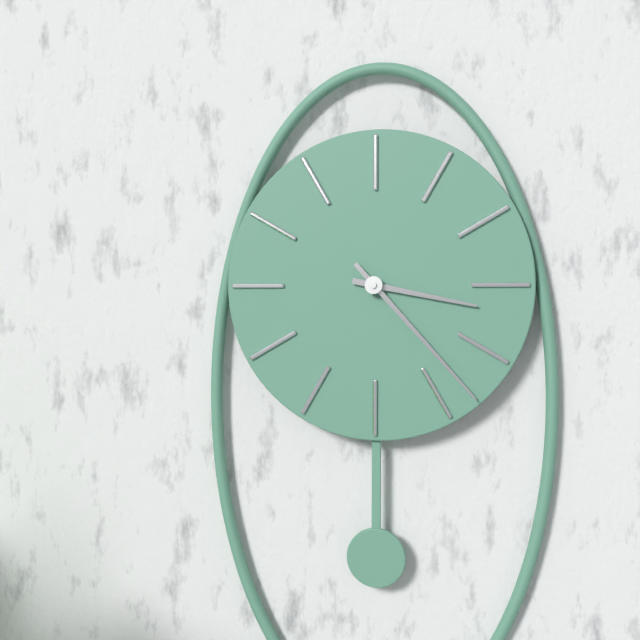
**3:23**
